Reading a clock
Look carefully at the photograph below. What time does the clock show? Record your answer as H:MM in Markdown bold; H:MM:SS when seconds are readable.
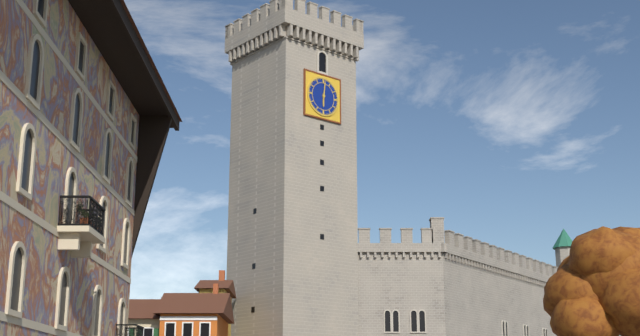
**6:01**
